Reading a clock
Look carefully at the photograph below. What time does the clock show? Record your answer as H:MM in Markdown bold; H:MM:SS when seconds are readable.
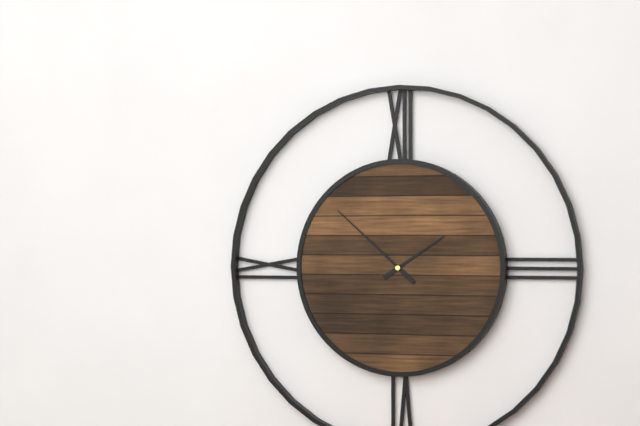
**1:52**
